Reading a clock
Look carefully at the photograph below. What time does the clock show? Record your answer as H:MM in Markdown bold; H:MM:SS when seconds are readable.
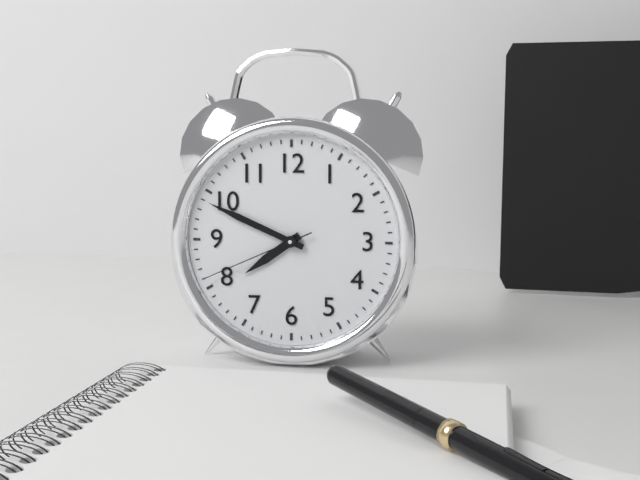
**7:49:41**
